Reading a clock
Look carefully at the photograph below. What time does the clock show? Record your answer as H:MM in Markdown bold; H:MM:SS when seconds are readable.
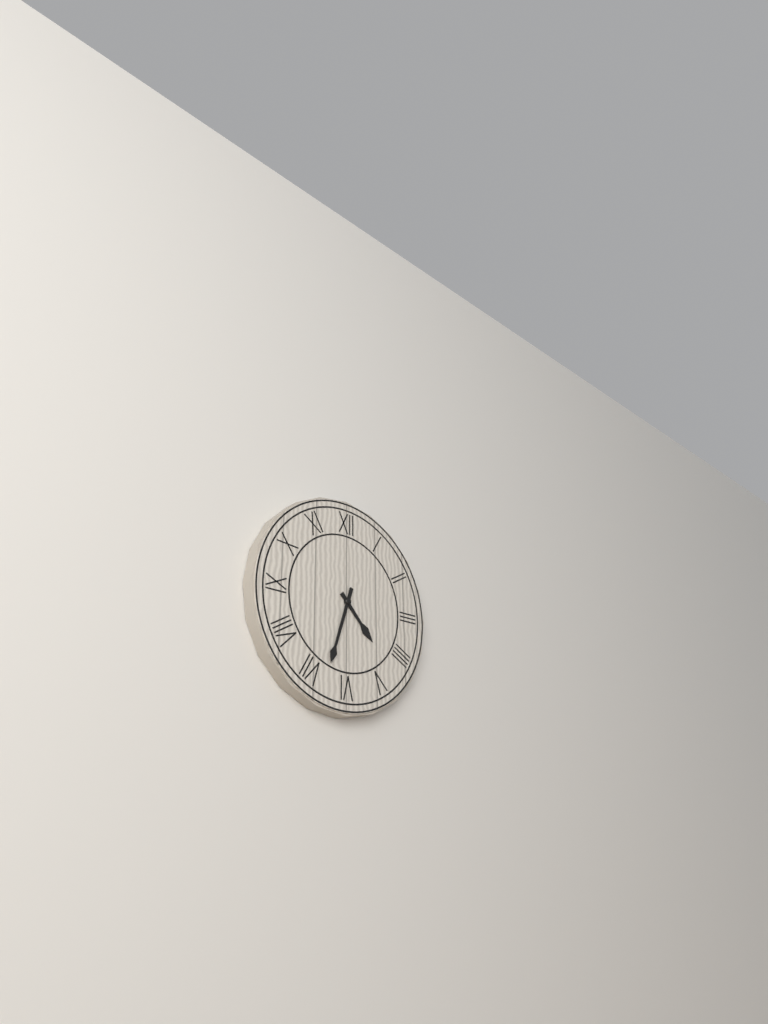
**4:33**
